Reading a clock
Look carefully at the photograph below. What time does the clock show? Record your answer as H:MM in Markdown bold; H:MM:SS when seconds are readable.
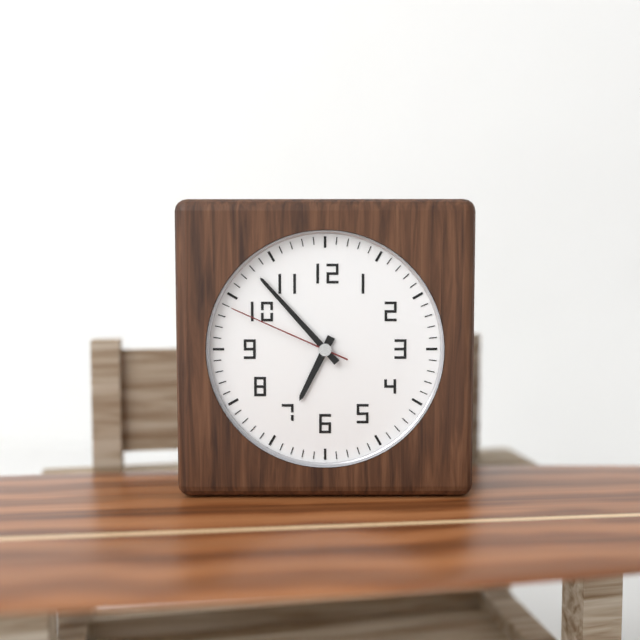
**6:53:49**
